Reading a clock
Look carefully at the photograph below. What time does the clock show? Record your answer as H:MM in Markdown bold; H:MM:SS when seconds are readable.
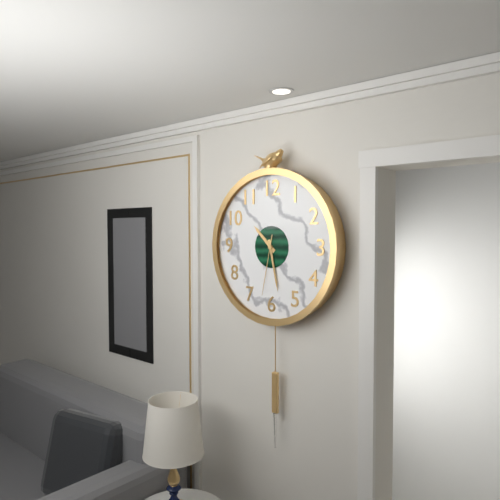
**10:28:32**
